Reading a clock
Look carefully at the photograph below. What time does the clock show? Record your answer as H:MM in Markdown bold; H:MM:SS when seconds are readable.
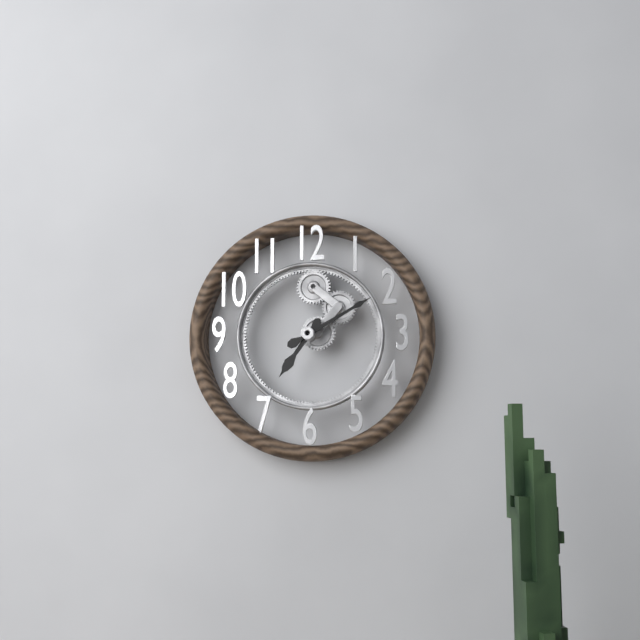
**7:10**
